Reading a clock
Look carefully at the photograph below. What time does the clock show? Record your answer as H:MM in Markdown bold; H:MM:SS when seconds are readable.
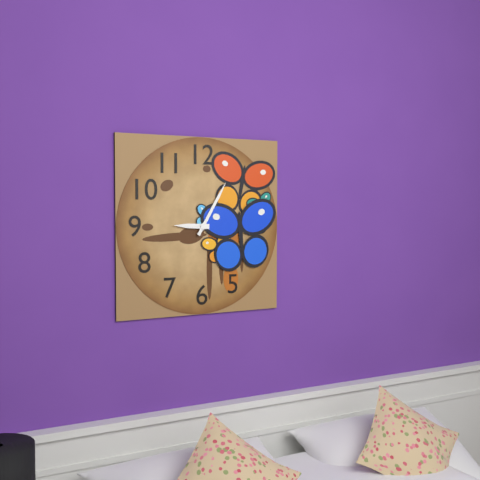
**9:05**
